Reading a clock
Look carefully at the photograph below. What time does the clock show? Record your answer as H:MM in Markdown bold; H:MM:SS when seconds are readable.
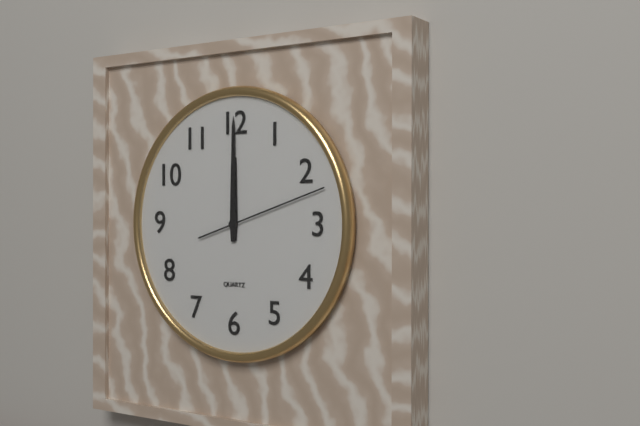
**12:00:12**
